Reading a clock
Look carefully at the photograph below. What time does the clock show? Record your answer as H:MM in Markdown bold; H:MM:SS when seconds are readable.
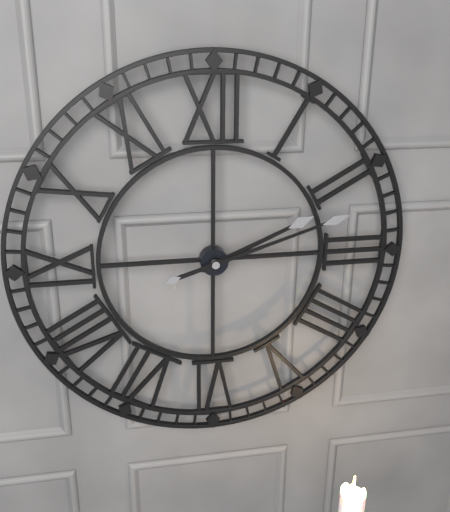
**2:12**
